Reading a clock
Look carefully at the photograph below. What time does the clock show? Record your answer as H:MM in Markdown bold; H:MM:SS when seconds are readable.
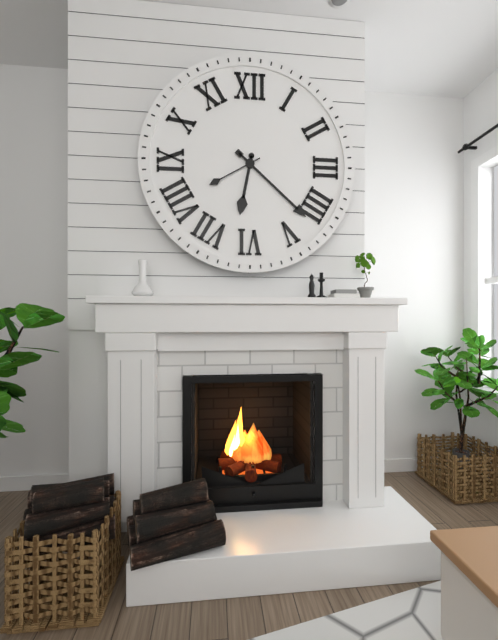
**6:22:40**
